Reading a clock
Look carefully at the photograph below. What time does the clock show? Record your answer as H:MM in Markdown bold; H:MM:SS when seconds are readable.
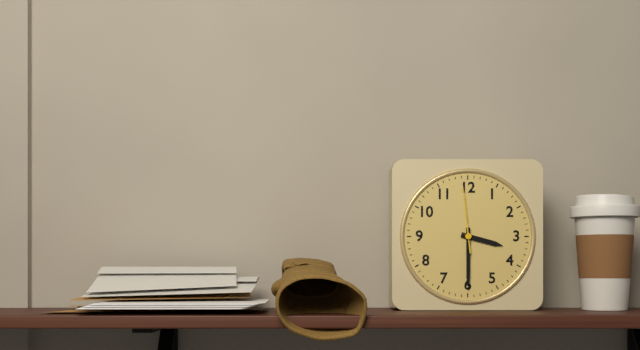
**3:30:59**
